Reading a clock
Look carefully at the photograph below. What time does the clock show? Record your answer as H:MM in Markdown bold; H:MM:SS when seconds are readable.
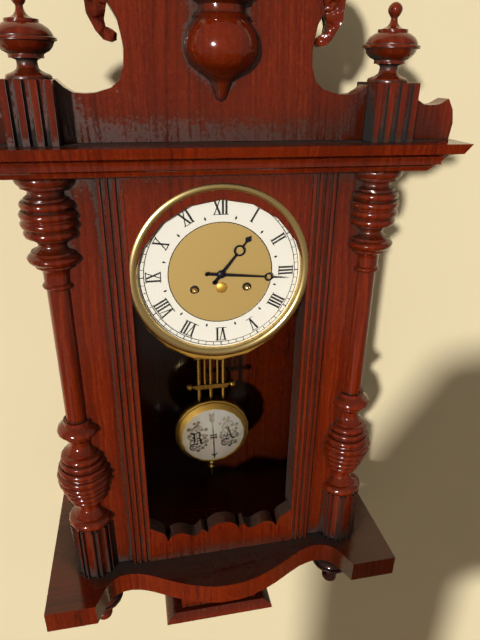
**1:16**
